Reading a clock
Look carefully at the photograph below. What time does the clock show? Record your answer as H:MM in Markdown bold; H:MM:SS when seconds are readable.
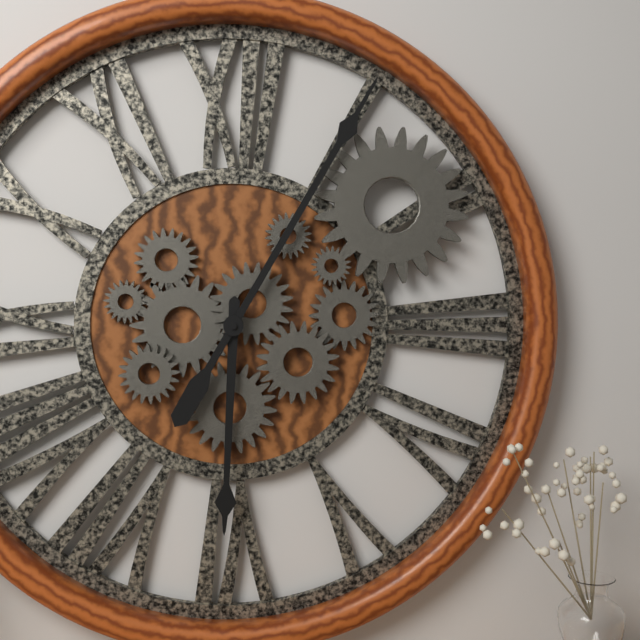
**6:05**
